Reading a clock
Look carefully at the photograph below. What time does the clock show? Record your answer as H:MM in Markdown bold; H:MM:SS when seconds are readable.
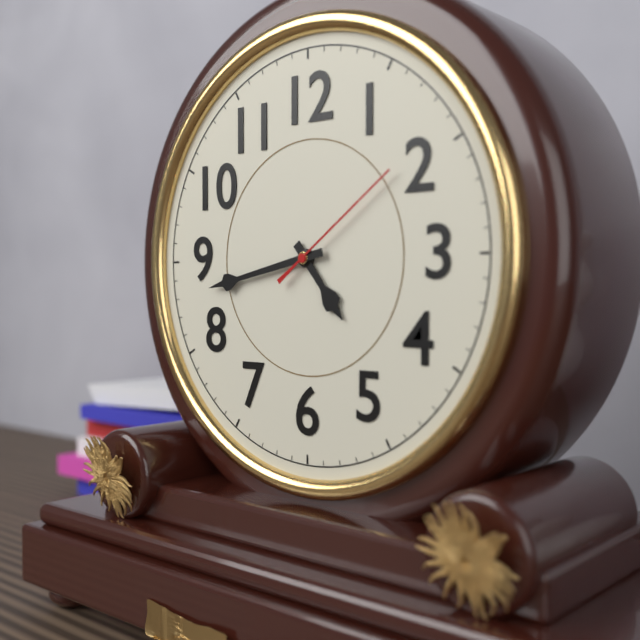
**4:43:09**
